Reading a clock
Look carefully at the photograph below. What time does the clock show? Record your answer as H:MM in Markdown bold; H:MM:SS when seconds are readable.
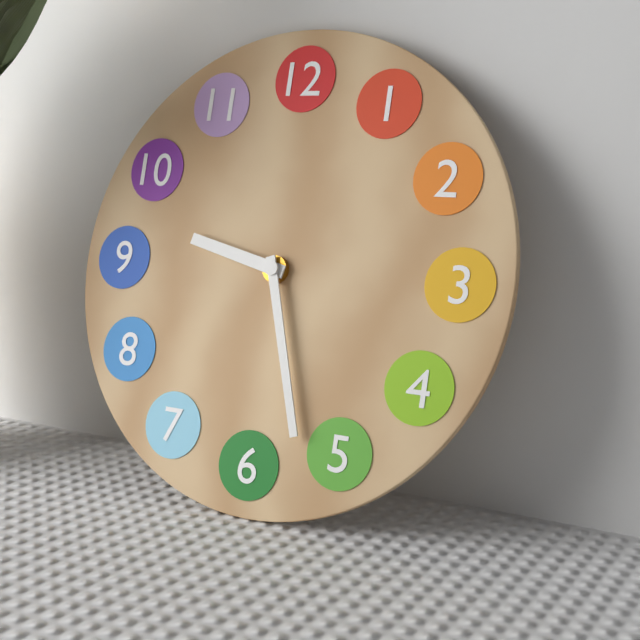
**9:27**
